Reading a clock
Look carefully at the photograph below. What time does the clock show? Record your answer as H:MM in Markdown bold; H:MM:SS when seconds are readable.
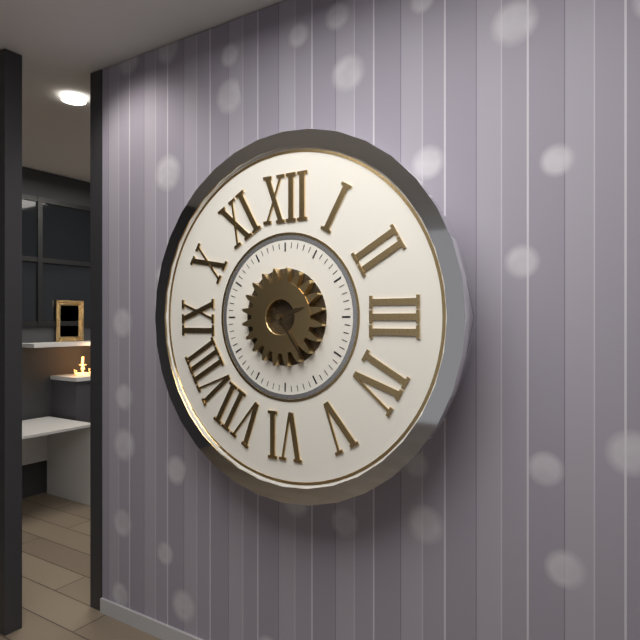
**2:24**
